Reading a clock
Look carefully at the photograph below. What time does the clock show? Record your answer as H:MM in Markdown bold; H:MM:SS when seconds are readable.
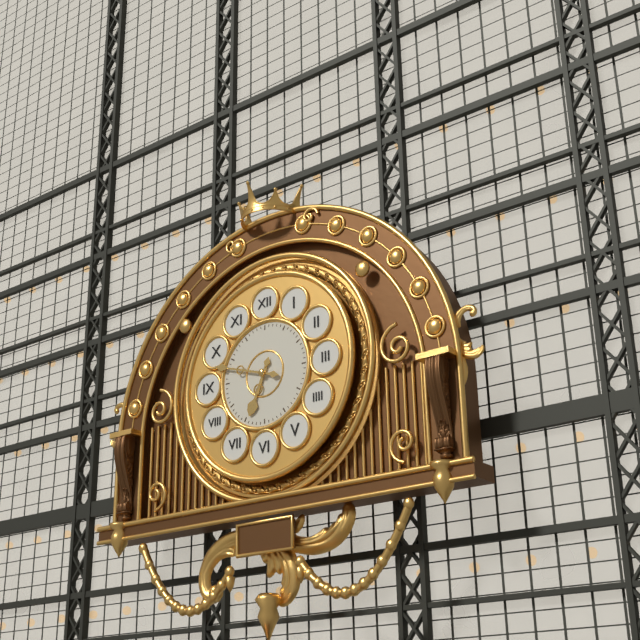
**6:48**
